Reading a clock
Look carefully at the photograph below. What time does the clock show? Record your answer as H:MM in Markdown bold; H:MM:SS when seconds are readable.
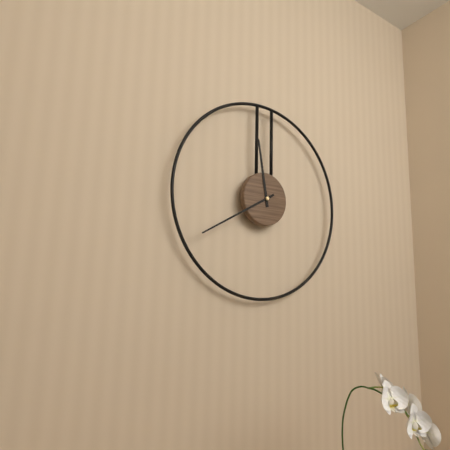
**11:40**
